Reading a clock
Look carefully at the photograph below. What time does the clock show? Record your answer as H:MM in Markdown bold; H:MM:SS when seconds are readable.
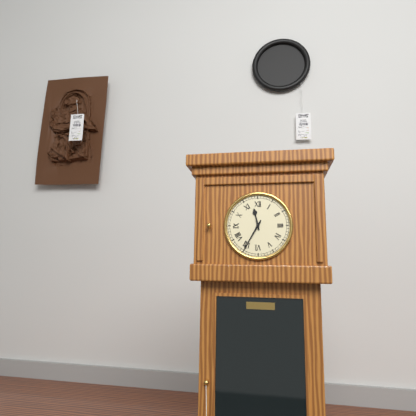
**11:35**
